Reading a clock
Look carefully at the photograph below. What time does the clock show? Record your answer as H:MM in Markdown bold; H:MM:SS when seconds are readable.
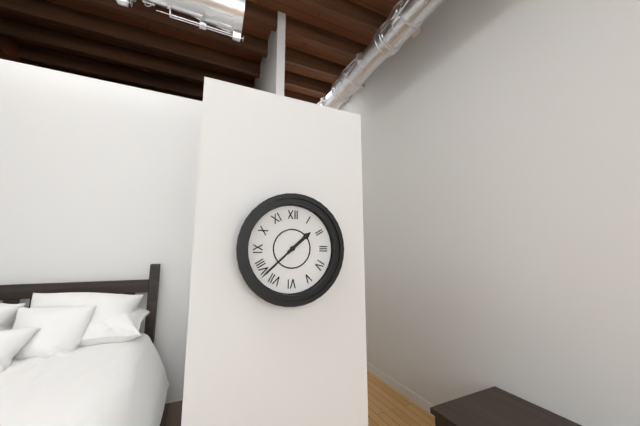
**1:38**
